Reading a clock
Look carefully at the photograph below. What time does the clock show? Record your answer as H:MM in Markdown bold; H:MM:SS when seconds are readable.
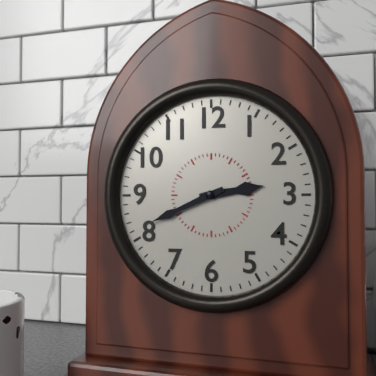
**2:41**
